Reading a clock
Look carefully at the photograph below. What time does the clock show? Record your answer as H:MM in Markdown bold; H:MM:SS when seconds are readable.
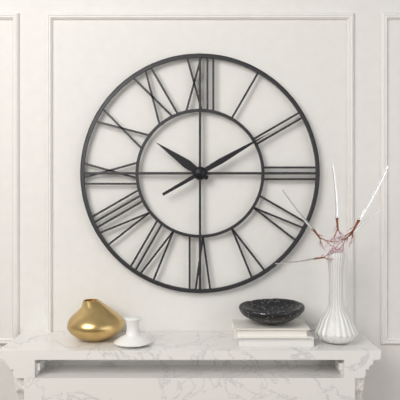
**10:10**
